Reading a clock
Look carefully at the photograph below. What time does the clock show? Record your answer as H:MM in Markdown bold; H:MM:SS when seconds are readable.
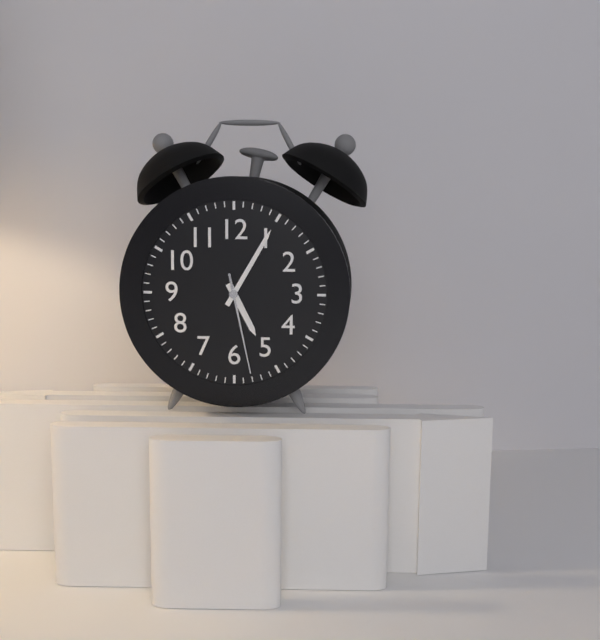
**5:05:28**
